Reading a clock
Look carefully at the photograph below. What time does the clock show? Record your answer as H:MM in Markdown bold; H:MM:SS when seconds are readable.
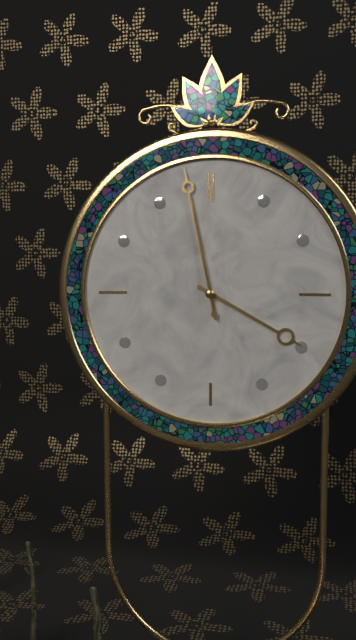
**3:58:58**
